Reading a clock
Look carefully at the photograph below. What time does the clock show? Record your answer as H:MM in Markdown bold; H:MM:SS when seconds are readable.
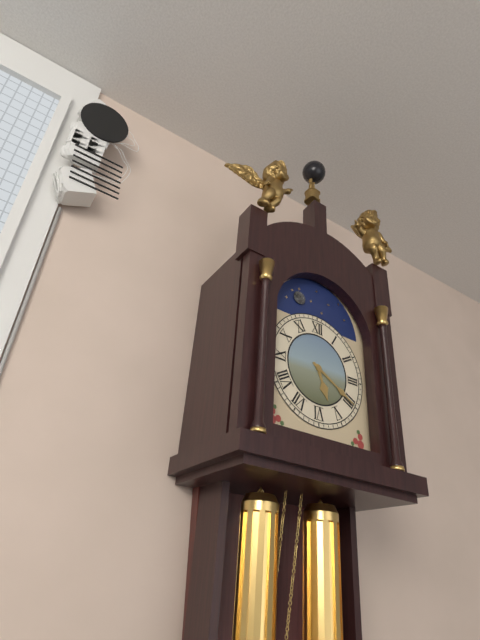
**5:20**
